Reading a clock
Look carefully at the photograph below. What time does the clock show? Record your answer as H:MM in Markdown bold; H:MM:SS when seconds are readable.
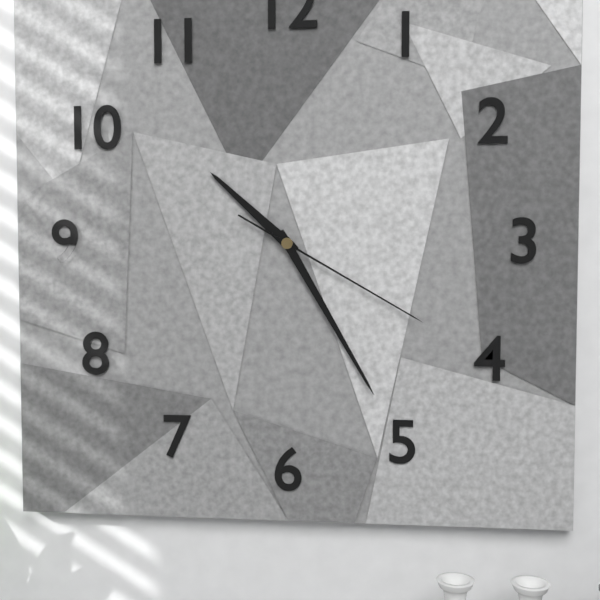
**10:25:20**
